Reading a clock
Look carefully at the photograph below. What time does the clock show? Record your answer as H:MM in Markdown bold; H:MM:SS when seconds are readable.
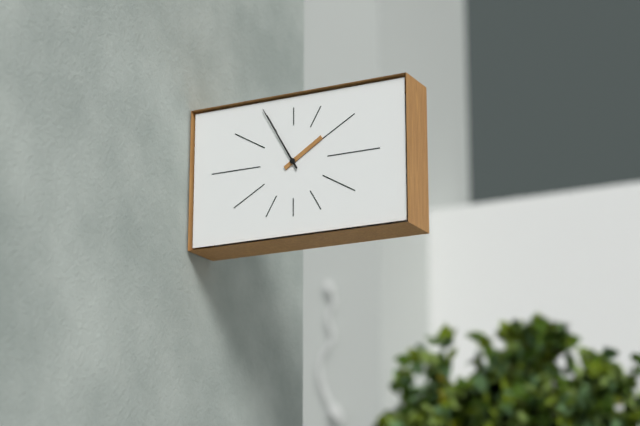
**1:55**
